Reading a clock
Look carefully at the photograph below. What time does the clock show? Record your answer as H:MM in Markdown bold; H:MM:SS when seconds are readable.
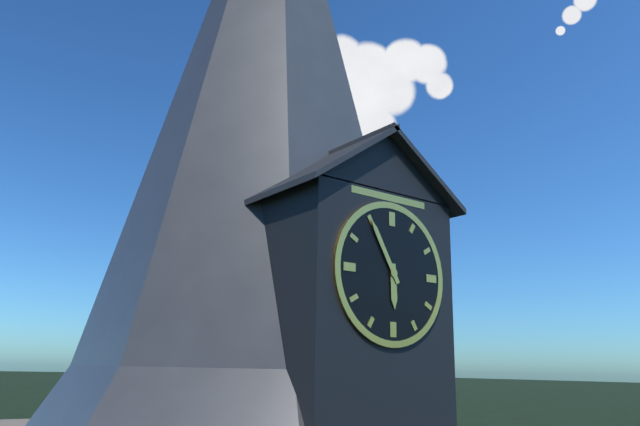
**5:55**
